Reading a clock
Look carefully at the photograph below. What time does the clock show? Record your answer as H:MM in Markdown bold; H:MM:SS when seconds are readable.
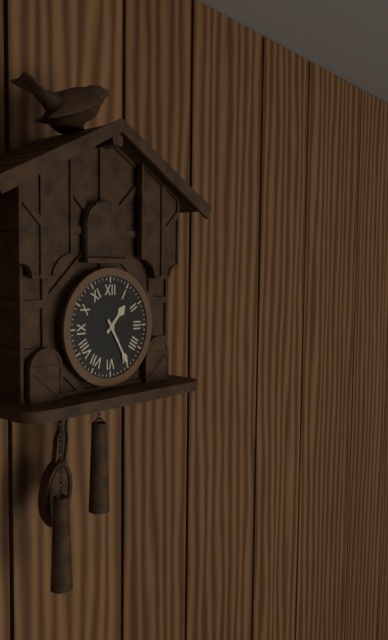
**1:25**
